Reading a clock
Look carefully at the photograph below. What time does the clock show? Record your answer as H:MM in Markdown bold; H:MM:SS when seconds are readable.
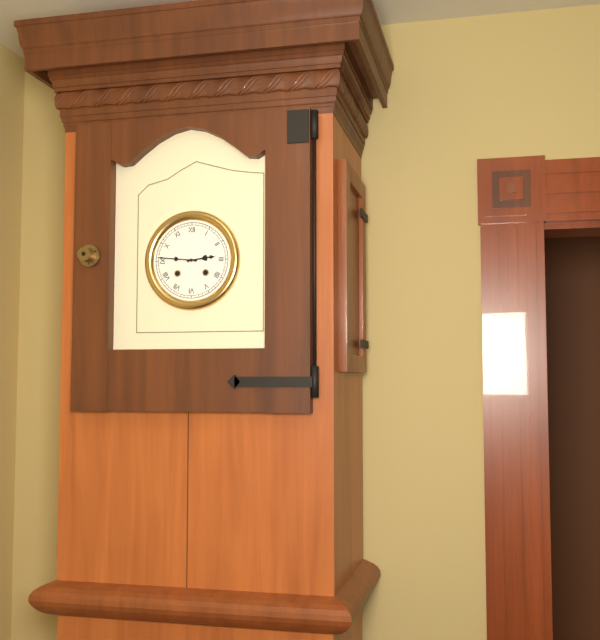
**2:46**
